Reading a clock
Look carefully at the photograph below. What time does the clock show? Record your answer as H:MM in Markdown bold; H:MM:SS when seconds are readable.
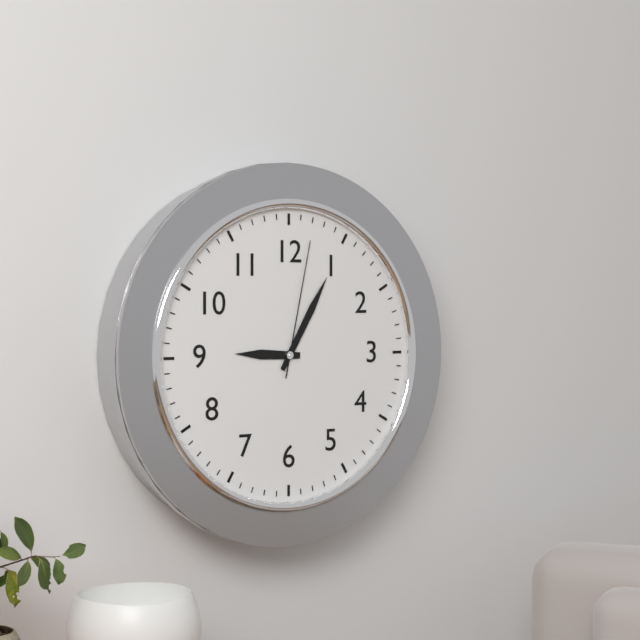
**9:05:02**
